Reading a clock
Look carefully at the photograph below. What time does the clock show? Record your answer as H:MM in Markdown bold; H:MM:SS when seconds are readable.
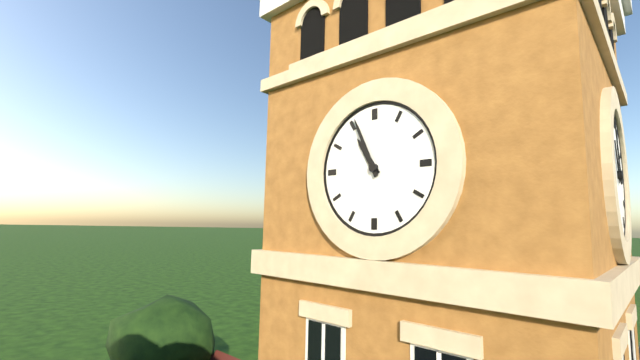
**10:56**
